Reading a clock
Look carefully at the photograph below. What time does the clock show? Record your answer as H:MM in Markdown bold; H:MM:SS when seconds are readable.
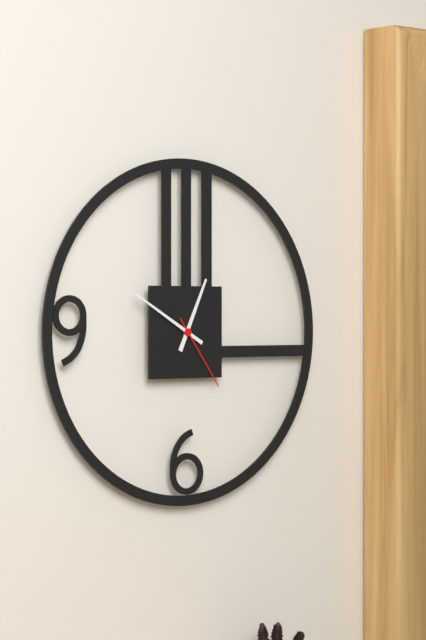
**12:50:24**
